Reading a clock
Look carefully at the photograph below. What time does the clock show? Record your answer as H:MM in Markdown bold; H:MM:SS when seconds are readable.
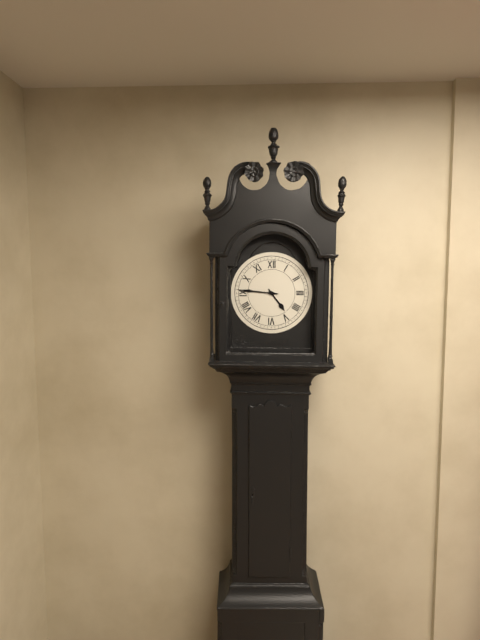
**4:46**
